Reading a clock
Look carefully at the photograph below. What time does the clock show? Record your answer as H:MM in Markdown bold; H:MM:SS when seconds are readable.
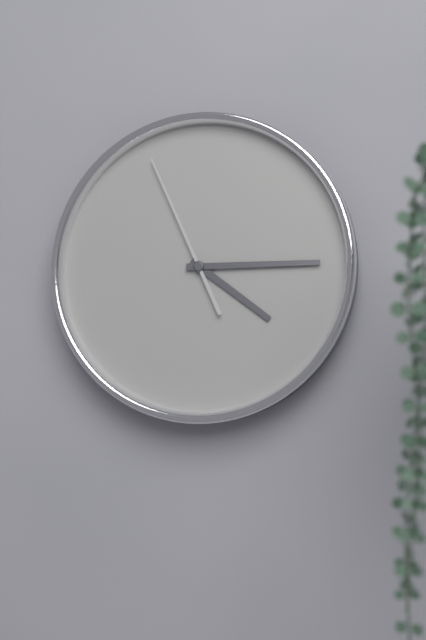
**4:15:56**
